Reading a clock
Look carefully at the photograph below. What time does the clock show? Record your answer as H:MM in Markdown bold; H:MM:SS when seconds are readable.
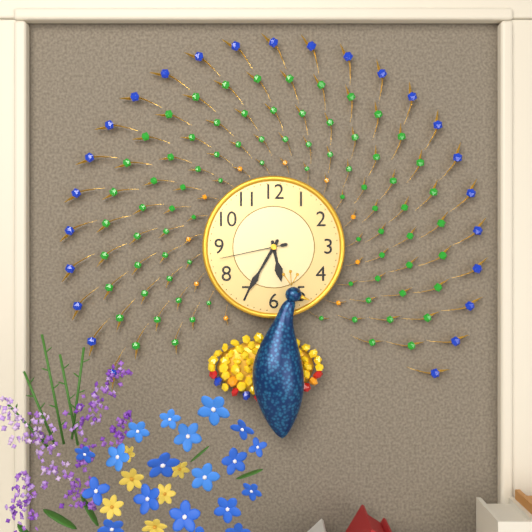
**5:35:43**
